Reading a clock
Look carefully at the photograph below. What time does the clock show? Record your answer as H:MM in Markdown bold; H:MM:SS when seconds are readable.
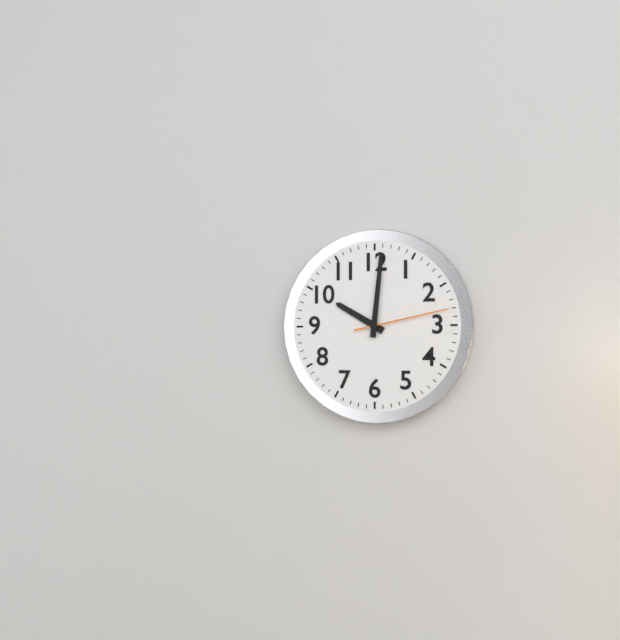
**10:01:13**
